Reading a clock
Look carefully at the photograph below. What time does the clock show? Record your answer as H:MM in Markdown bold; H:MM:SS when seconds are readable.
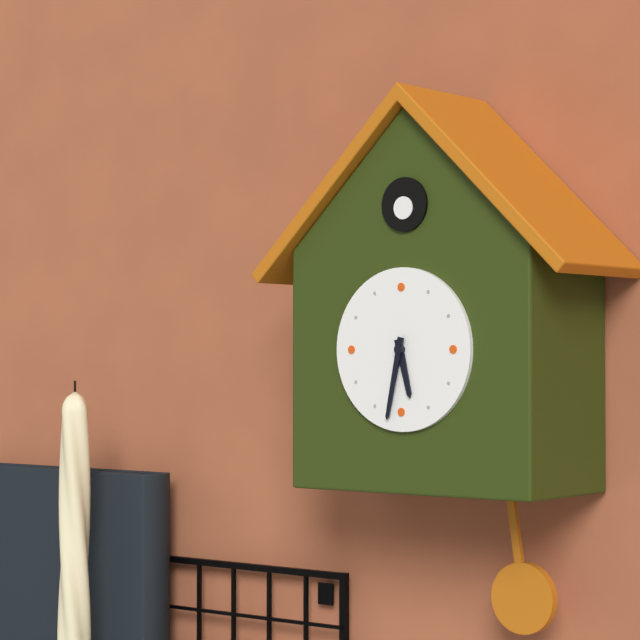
**5:32**
